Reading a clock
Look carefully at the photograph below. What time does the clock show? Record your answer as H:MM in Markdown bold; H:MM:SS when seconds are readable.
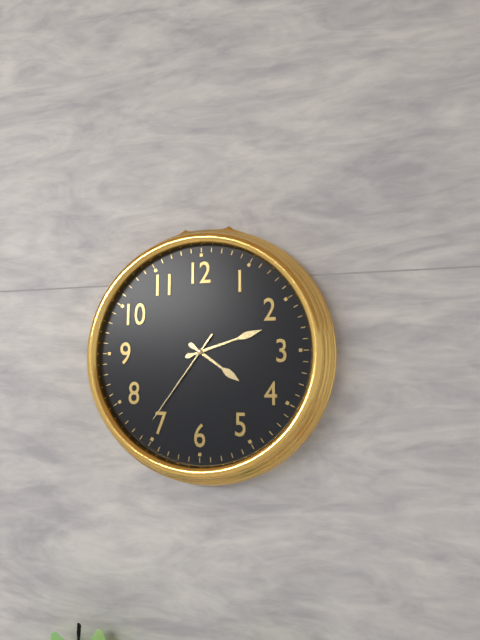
**4:12:36**
